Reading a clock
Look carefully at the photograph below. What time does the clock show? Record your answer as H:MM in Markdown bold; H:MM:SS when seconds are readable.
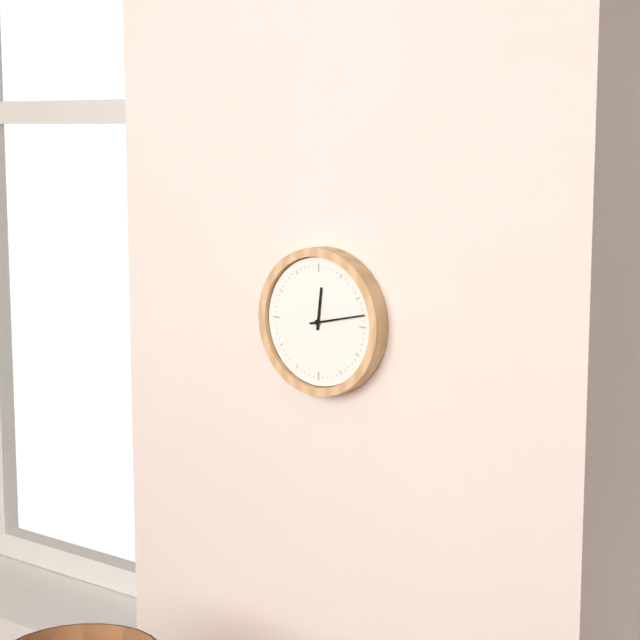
**12:13**
